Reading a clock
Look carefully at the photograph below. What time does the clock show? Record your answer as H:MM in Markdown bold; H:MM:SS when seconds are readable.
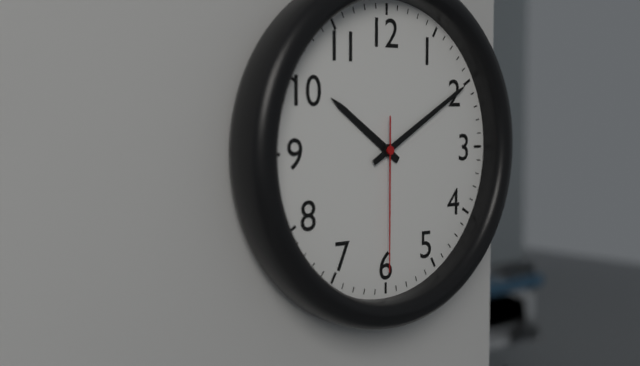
**10:10:30**
